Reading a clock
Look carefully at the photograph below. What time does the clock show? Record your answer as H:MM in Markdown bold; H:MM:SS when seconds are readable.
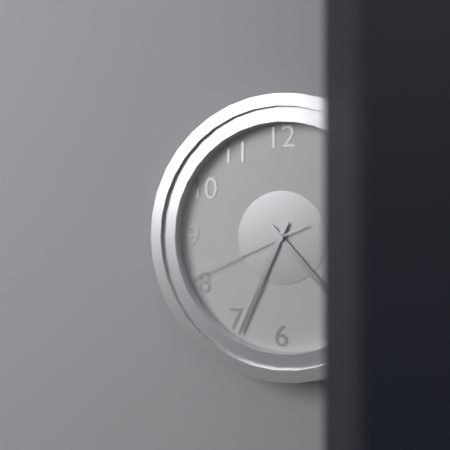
**4:34:41**
